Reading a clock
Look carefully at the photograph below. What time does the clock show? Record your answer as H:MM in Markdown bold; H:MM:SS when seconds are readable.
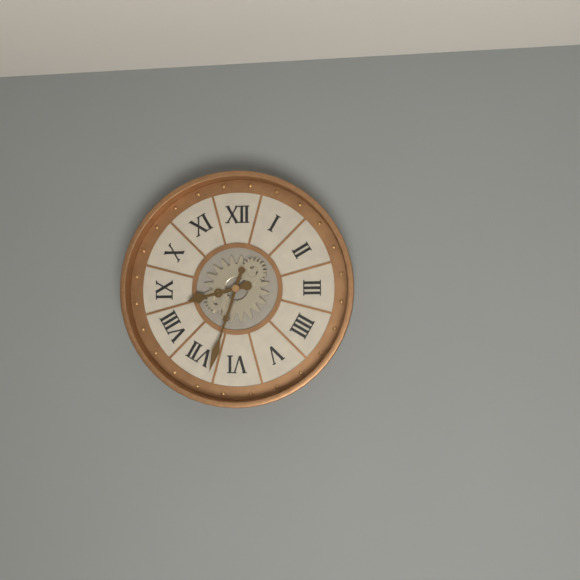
**8:33**
